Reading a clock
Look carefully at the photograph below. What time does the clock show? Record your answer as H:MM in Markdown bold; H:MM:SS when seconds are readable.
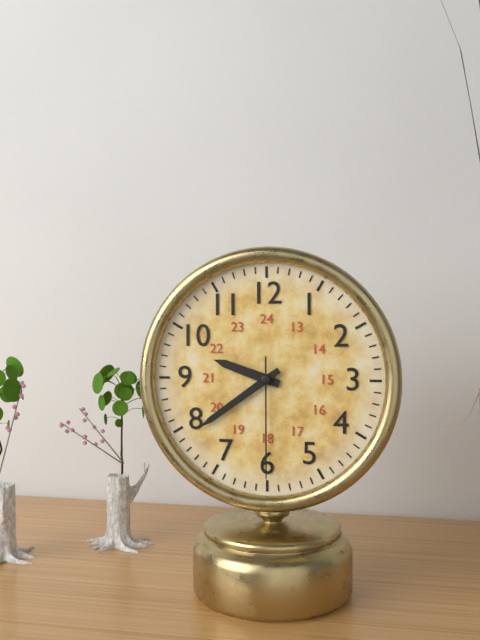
**9:39:30**
